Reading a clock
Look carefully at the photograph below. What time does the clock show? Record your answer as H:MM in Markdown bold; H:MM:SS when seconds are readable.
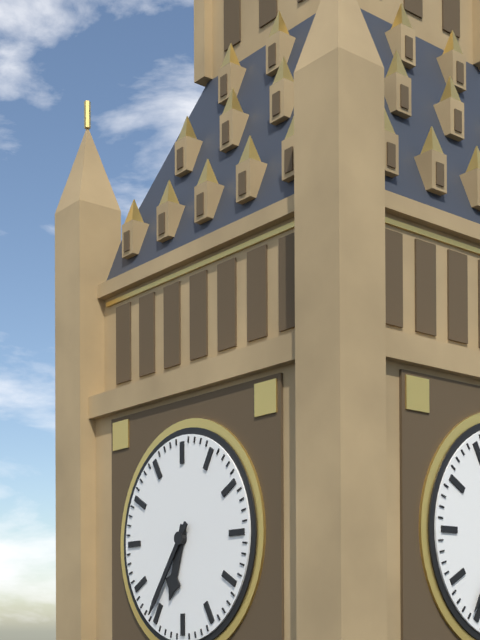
**6:36**
